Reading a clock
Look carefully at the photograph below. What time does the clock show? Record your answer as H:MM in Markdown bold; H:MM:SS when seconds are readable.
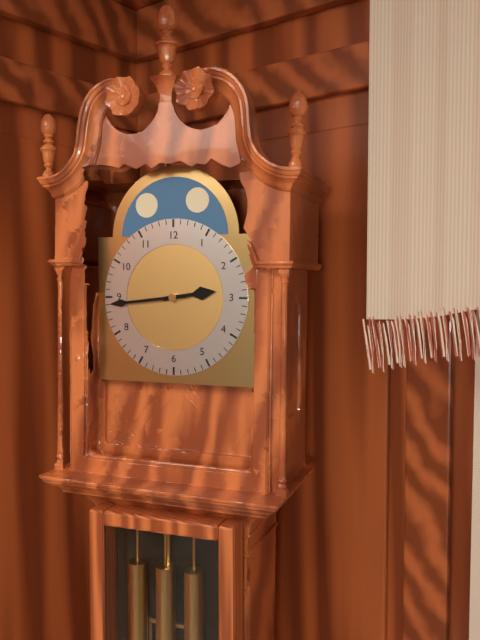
**2:44**
